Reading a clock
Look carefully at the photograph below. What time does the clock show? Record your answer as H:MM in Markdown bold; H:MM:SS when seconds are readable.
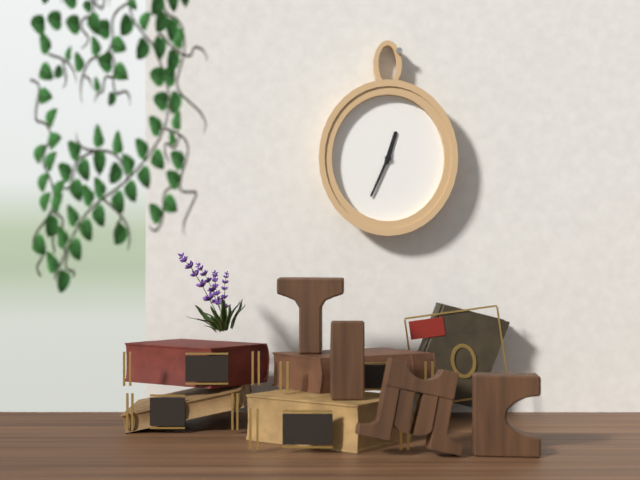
**12:34**
